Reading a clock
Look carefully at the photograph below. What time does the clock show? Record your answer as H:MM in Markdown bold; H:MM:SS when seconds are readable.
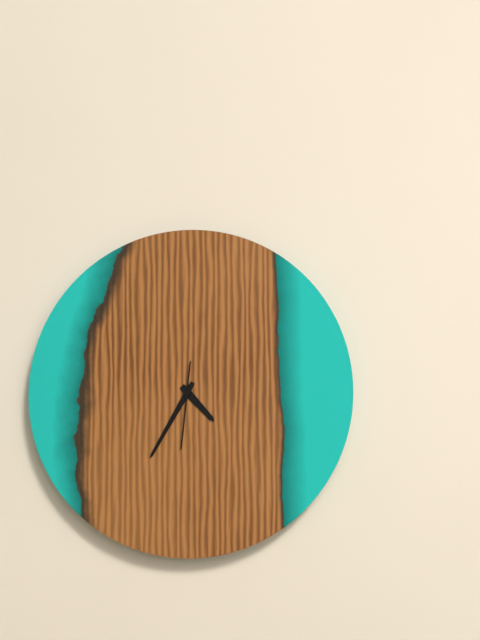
**4:35:31**
